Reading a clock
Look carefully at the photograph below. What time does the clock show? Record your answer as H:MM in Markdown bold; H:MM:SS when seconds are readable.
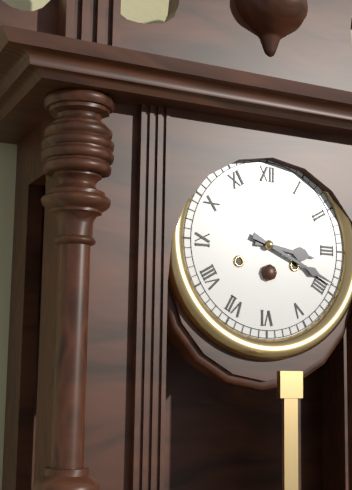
**3:19**
